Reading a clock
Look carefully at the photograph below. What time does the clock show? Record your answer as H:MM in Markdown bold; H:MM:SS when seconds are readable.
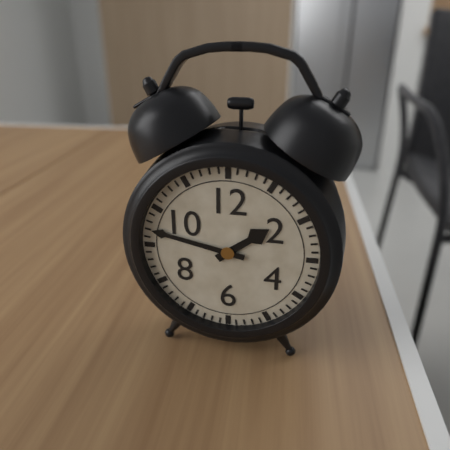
**1:47**
